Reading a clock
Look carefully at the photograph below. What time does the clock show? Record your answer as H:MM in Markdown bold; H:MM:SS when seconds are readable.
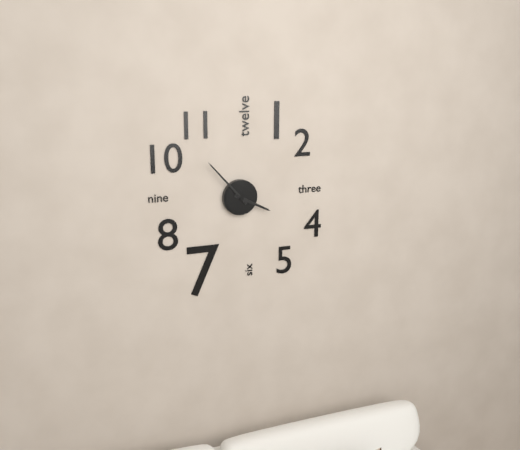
**3:53**
